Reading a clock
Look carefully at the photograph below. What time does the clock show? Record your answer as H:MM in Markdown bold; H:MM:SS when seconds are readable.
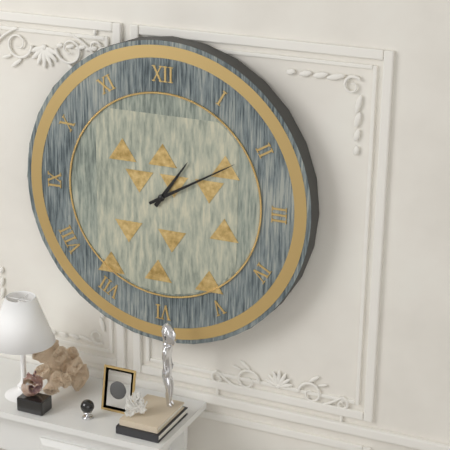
**1:10**
